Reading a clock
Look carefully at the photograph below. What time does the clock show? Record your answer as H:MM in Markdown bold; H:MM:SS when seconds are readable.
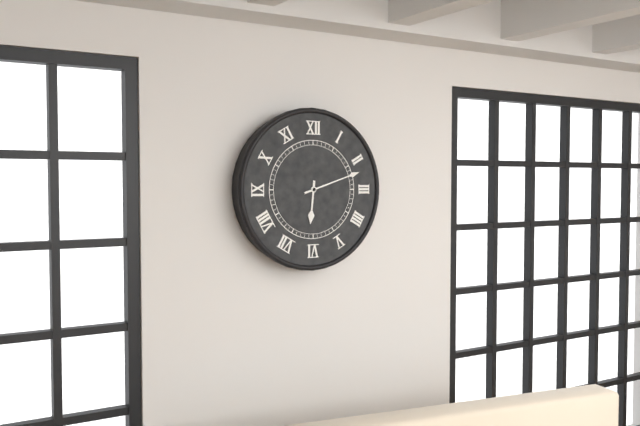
**6:12**
